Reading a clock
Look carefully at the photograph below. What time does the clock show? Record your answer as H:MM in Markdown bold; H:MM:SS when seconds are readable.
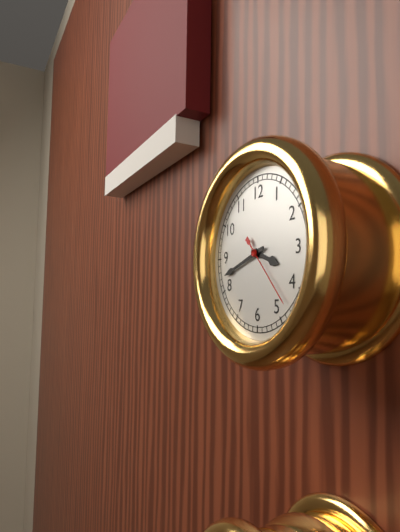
**3:42:23**
